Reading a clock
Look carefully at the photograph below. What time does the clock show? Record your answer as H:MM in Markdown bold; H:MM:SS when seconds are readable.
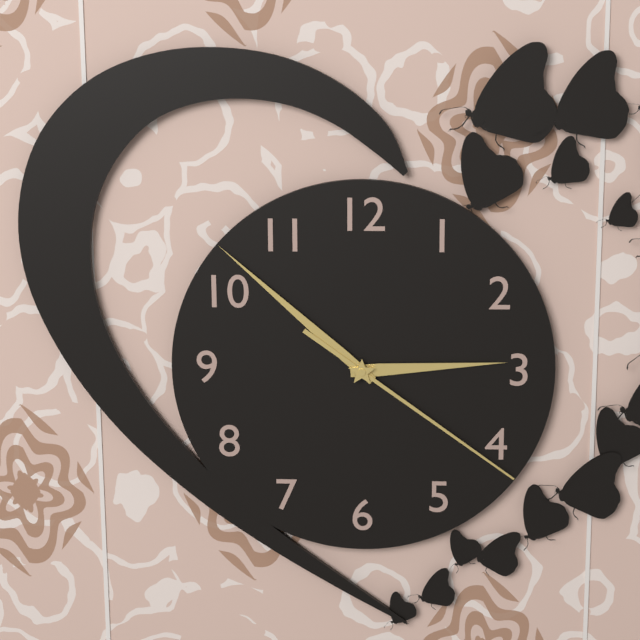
**2:52:21**
